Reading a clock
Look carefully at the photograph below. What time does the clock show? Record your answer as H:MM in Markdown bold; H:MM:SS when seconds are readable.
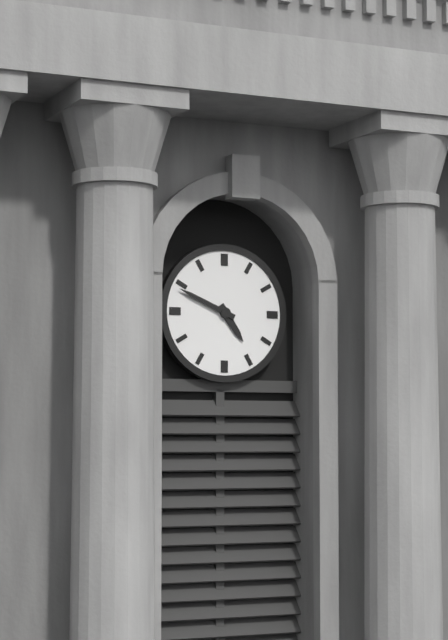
**4:49**
